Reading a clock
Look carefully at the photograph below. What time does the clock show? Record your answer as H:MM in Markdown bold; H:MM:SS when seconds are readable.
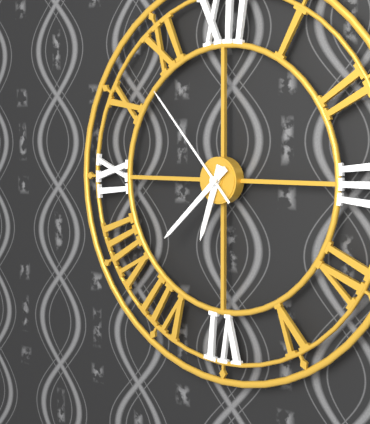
**6:38:53**
